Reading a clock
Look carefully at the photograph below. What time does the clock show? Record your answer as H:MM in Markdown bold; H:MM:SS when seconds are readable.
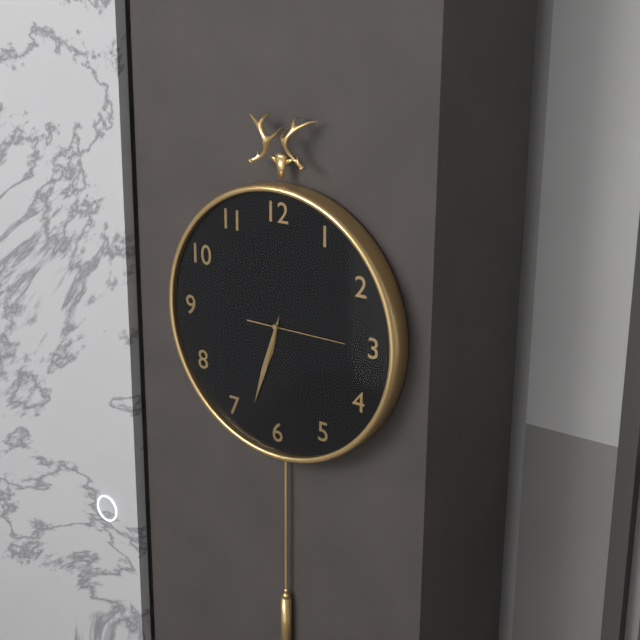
**6:33:15**
